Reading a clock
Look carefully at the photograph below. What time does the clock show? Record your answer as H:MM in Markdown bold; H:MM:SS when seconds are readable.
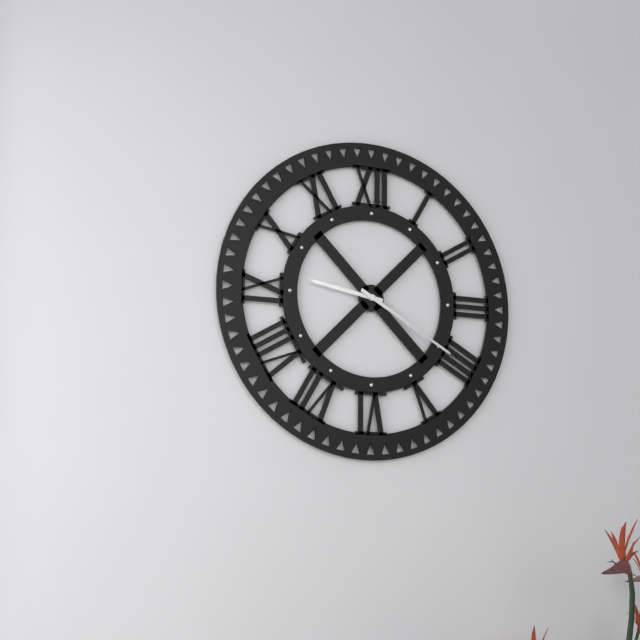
**9:20**
